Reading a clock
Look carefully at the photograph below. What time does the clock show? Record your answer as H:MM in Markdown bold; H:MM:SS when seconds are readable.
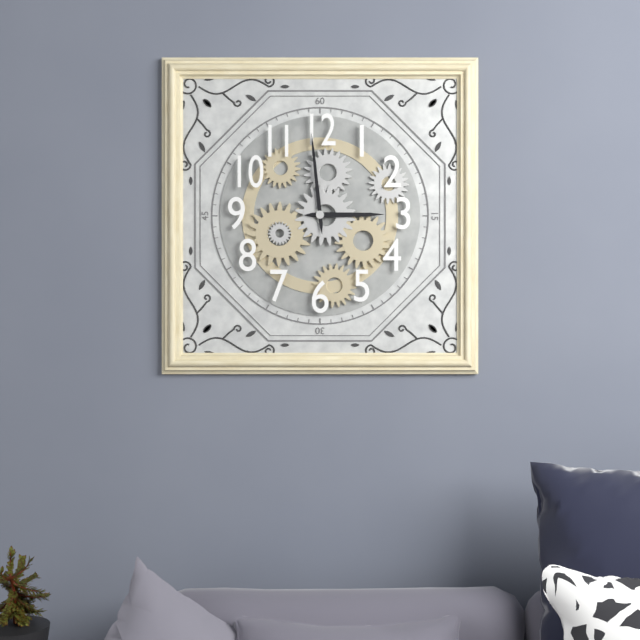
**2:59**
